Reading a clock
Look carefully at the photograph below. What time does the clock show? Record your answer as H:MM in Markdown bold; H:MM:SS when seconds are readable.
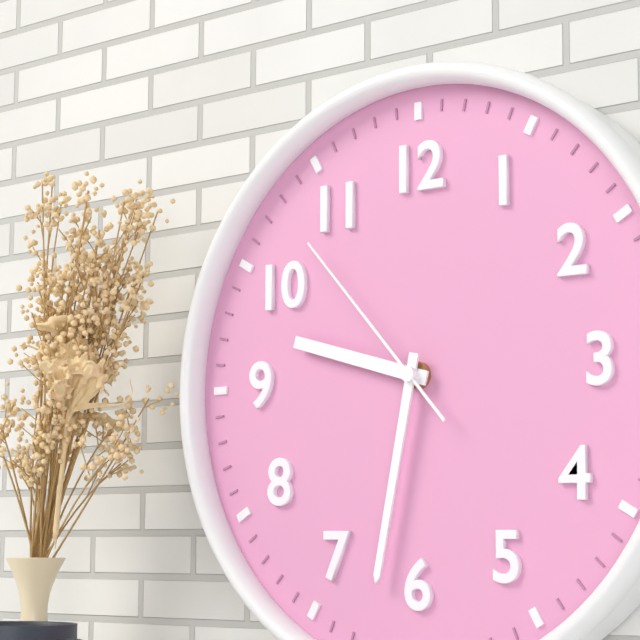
**9:32:53**
